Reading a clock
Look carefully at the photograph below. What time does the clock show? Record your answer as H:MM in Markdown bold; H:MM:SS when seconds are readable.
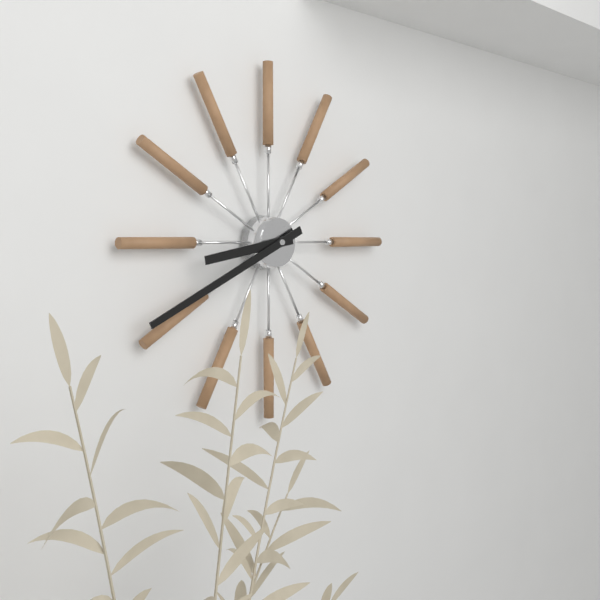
**8:41**
